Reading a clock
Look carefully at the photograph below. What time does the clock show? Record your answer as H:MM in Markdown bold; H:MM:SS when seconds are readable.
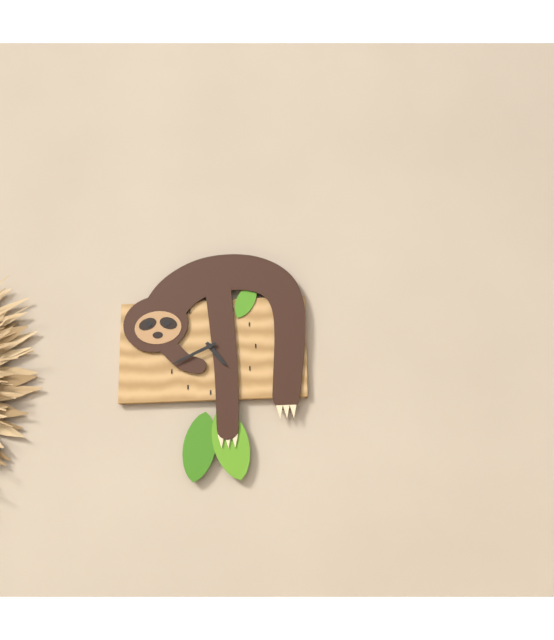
**4:41**
